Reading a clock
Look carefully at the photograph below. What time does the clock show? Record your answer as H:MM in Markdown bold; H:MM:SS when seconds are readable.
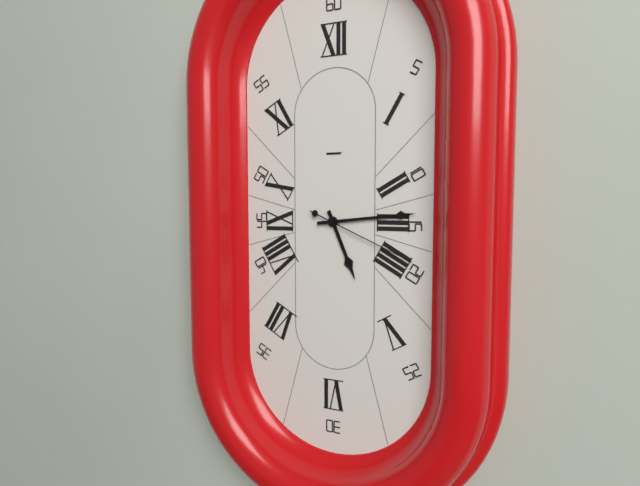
**5:14:19**
